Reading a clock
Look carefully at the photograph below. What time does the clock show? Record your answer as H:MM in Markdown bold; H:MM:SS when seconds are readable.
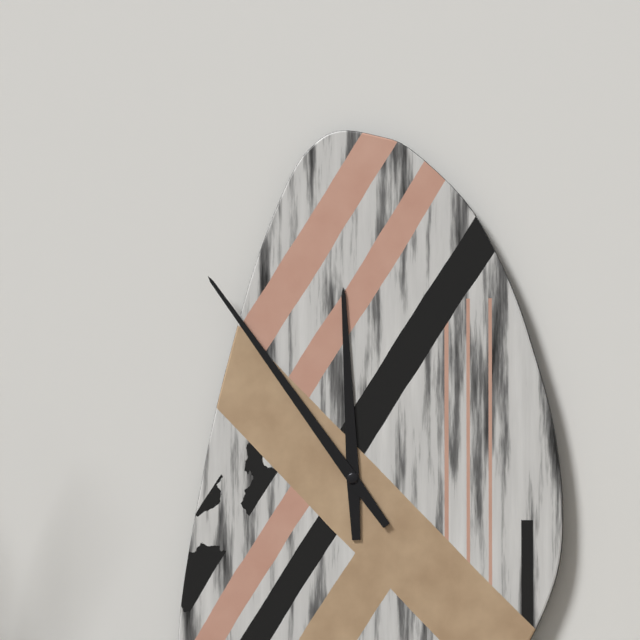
**11:54**
